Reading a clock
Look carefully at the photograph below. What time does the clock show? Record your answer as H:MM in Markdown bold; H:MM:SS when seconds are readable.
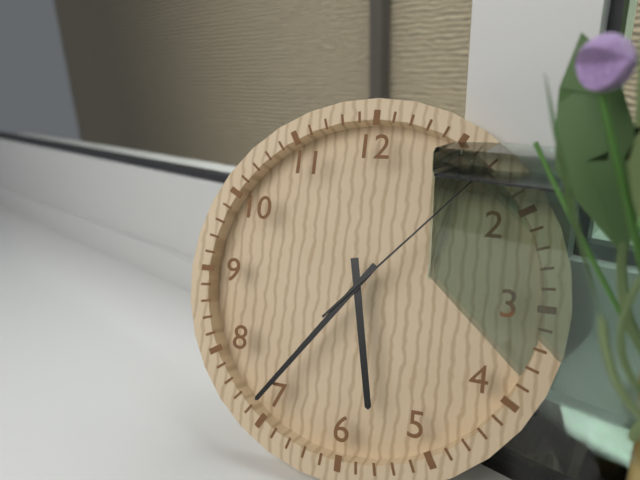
**5:36:07**
